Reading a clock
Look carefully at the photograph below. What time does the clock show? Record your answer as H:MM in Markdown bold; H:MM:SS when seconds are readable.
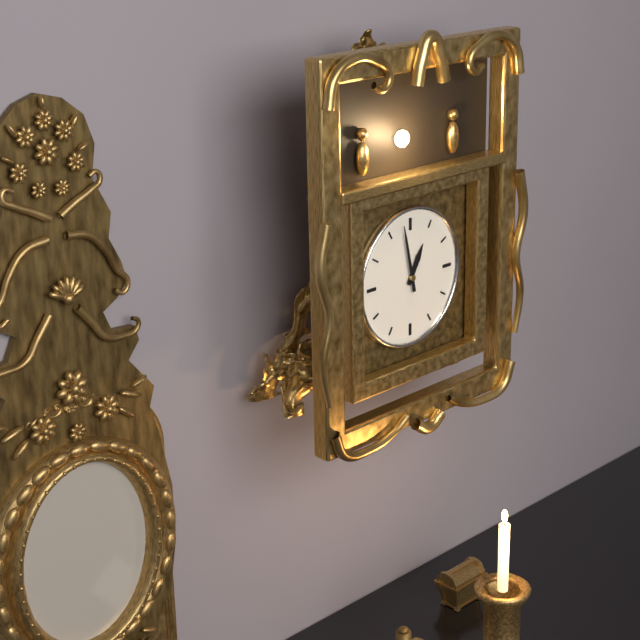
**12:58**
